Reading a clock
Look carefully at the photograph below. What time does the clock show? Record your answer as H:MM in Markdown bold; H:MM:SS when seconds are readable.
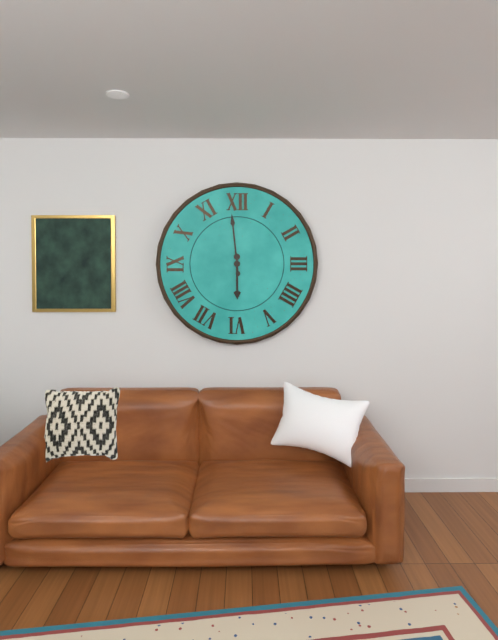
**5:59**
